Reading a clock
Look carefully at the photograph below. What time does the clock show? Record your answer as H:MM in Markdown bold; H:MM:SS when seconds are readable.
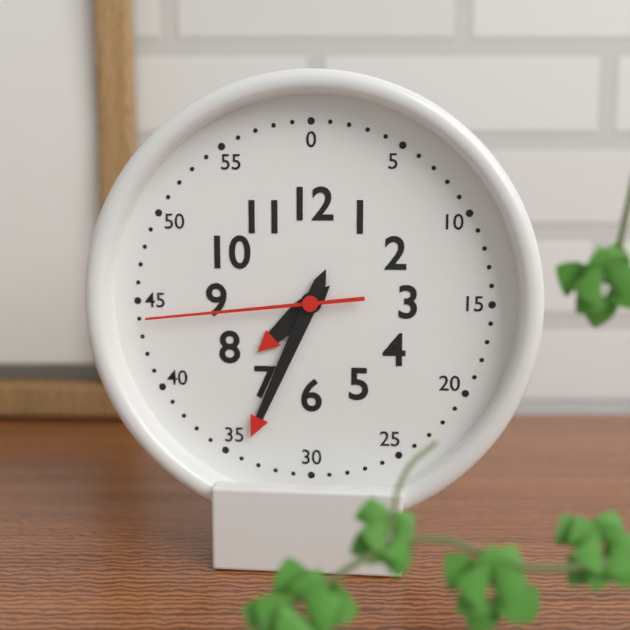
**7:34:44**
